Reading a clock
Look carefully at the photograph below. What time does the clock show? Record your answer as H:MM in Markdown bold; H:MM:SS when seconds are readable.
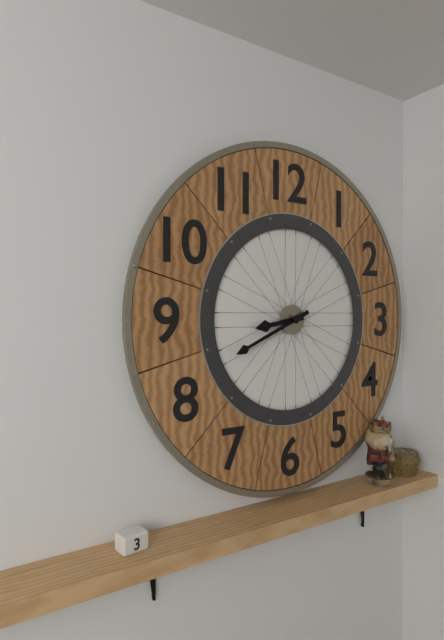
**8:41**
